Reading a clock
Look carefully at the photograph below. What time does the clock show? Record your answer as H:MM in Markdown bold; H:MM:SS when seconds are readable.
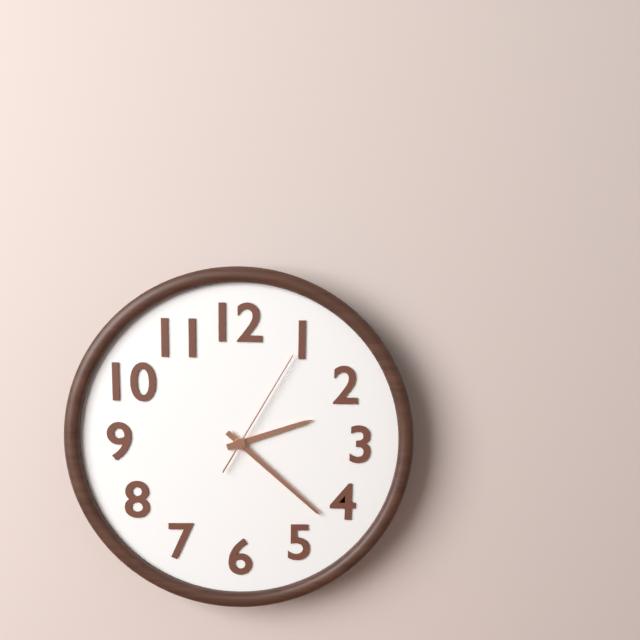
**2:22:05**
